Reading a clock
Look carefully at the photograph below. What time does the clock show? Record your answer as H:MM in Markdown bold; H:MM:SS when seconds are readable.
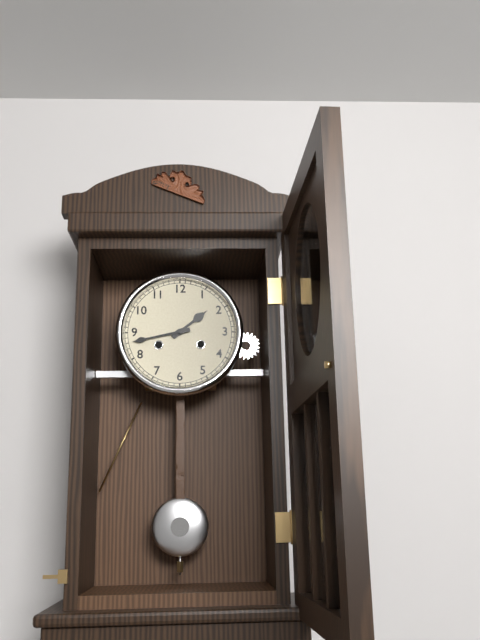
**1:43**
